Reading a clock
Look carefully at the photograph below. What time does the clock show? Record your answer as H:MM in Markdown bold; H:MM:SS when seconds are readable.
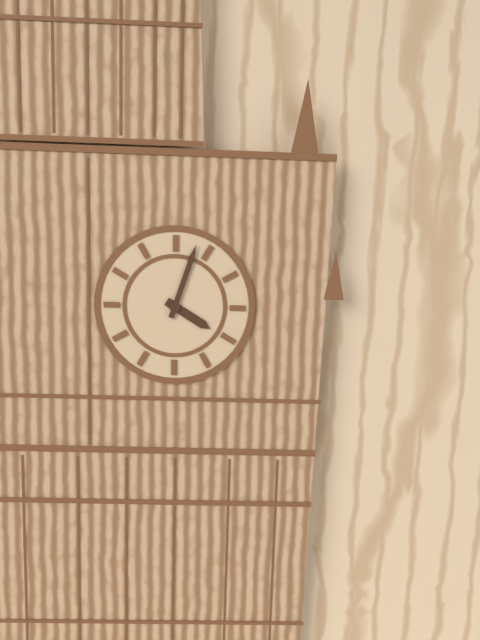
**4:03**
